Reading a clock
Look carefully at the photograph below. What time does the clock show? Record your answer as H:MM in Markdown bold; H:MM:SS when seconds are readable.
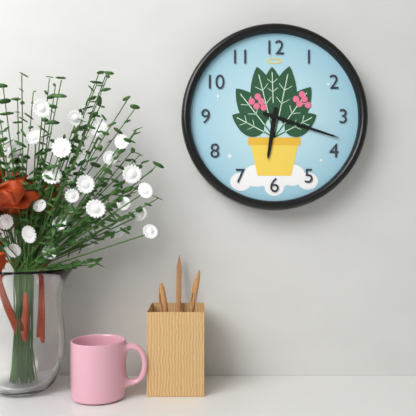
**6:18**
